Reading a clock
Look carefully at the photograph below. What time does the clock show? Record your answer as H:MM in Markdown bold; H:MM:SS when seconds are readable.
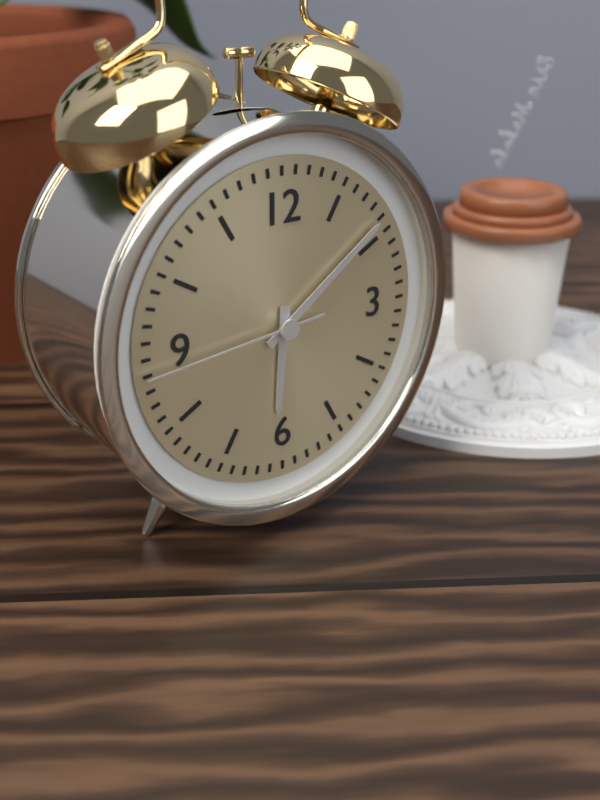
**6:09:44**
